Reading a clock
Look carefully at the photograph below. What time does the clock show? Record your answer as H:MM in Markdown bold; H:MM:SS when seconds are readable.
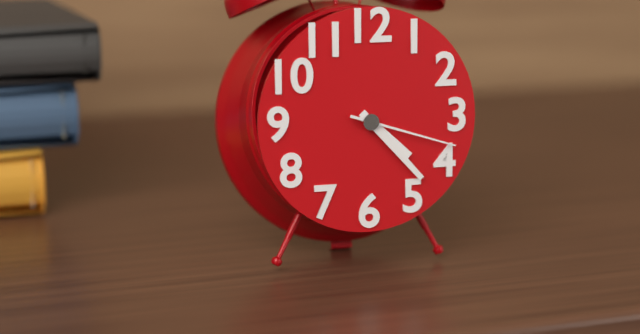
**4:23:18**
